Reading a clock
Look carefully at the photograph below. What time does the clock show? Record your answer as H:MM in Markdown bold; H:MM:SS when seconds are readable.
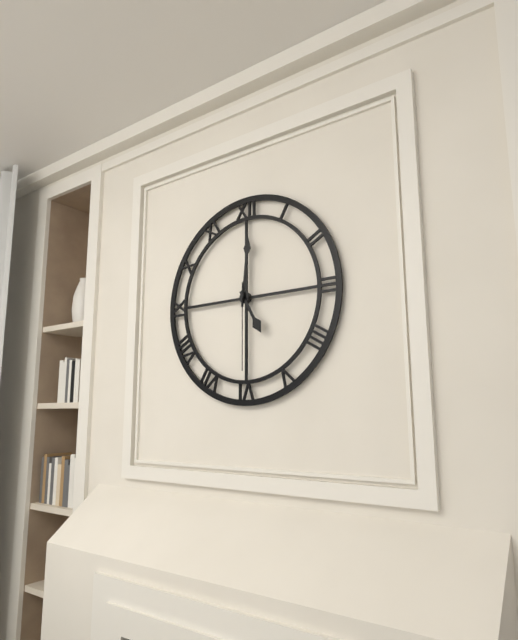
**5:01:30**
